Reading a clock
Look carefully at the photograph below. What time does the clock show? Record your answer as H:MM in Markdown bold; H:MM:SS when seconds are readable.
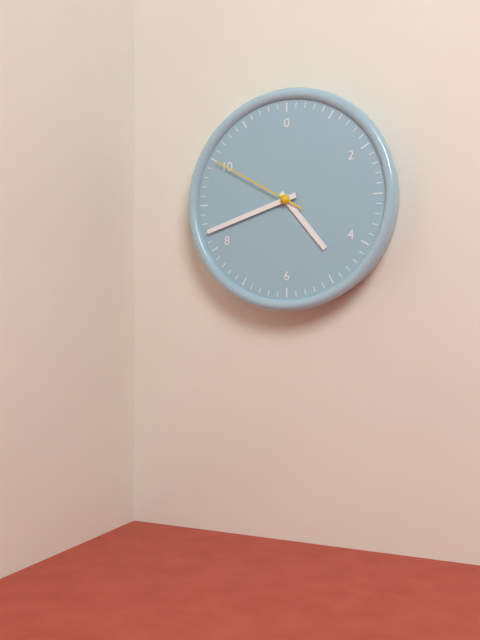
**4:42:50**
